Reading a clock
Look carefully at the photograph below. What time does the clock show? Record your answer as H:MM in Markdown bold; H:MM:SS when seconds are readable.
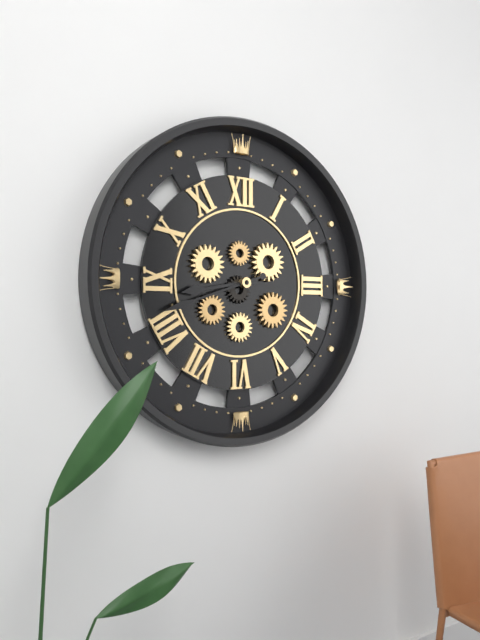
**8:42**
